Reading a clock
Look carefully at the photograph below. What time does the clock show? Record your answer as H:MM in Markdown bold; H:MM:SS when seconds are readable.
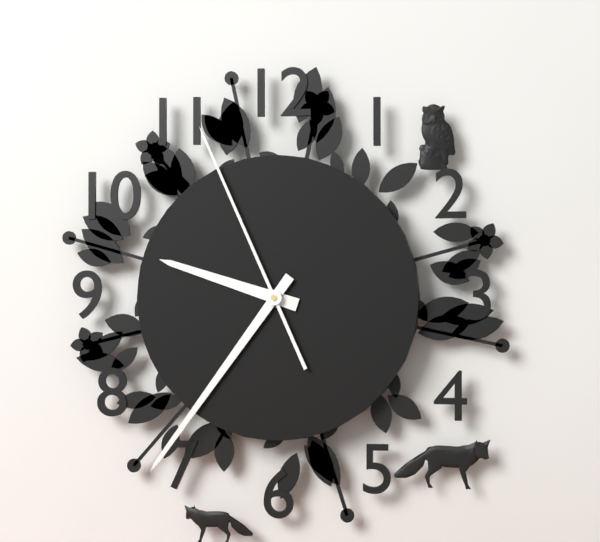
**9:36:56**
